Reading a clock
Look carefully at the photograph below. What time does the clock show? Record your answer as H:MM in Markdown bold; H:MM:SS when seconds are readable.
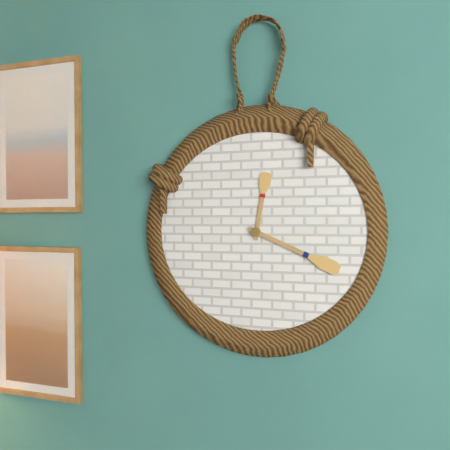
**12:19**
